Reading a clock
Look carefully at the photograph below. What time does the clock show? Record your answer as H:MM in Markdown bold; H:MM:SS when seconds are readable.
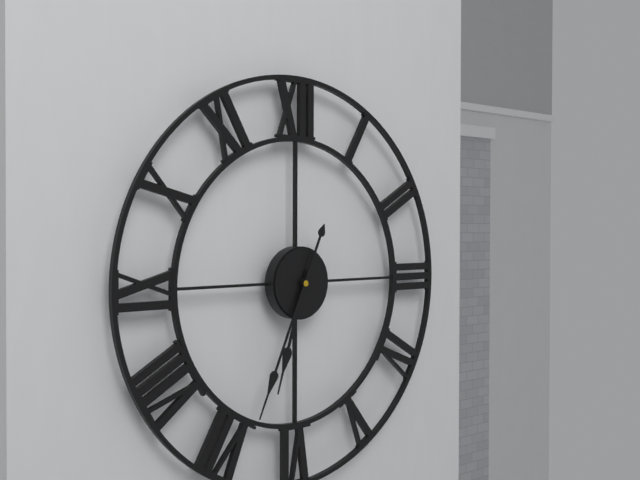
**6:34**
